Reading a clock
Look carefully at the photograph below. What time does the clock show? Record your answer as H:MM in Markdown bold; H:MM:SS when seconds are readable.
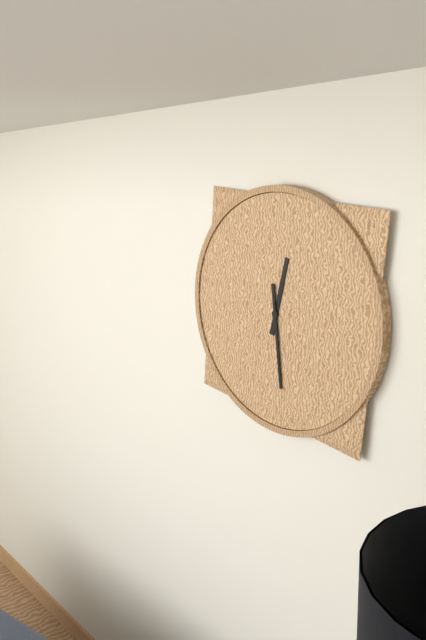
**12:29**
